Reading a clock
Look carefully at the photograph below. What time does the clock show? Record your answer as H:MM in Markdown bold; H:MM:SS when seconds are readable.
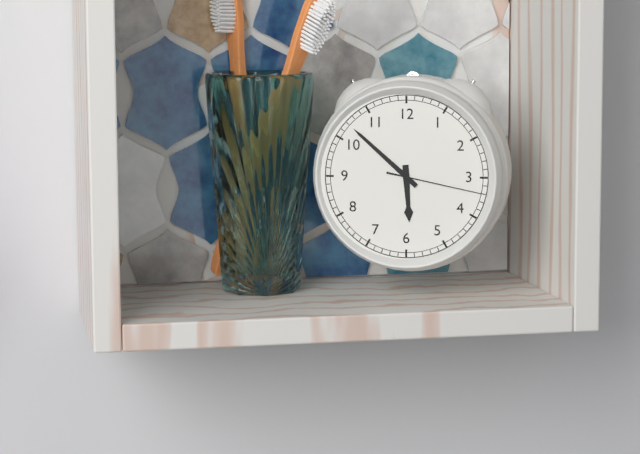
**5:52:17**
